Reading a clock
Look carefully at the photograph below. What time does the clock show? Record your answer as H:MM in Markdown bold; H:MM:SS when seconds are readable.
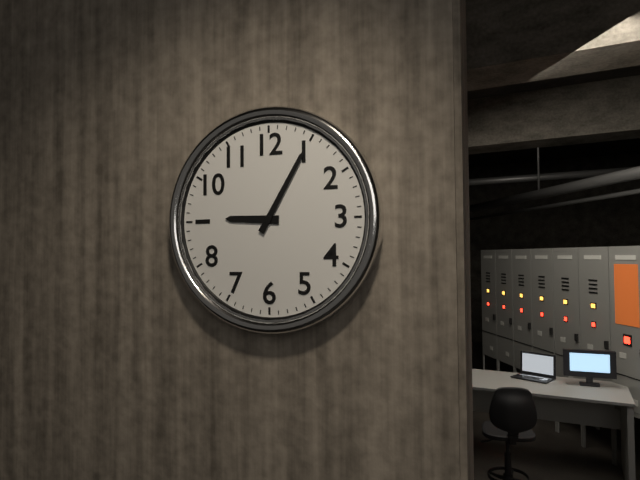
**9:05**
